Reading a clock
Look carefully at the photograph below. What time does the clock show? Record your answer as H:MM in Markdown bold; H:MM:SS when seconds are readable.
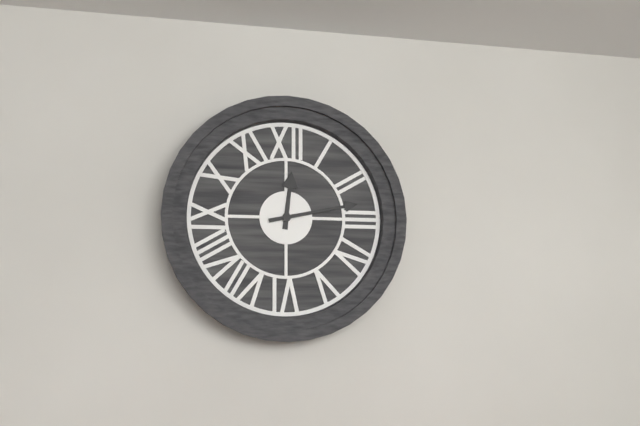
**12:13**
